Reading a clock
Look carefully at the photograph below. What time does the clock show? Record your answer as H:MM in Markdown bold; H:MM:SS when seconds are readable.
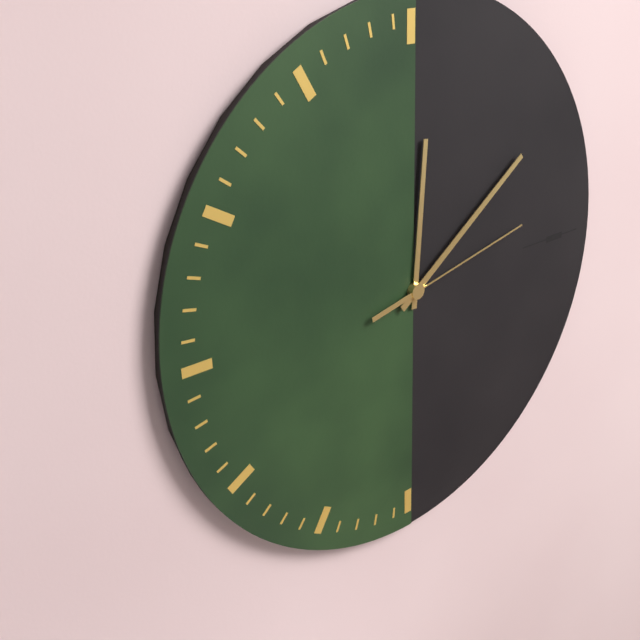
**12:09:13**
